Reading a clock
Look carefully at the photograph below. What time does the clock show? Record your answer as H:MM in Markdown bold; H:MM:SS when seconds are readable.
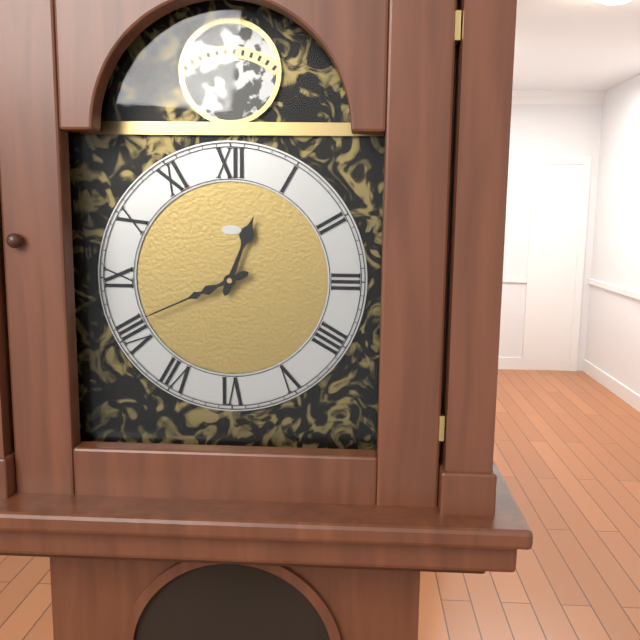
**12:41**
